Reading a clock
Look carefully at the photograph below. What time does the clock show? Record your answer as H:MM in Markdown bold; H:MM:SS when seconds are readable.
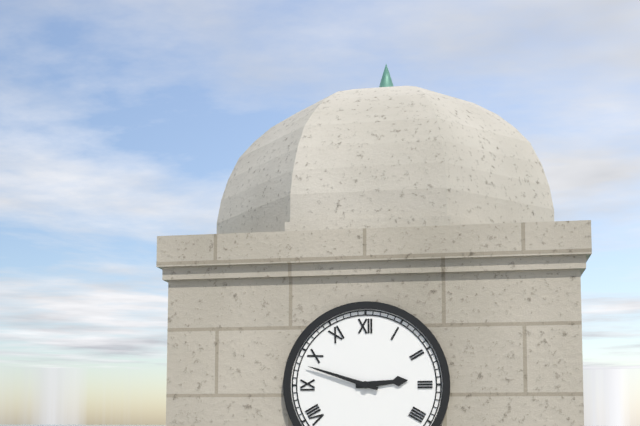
**2:48**
